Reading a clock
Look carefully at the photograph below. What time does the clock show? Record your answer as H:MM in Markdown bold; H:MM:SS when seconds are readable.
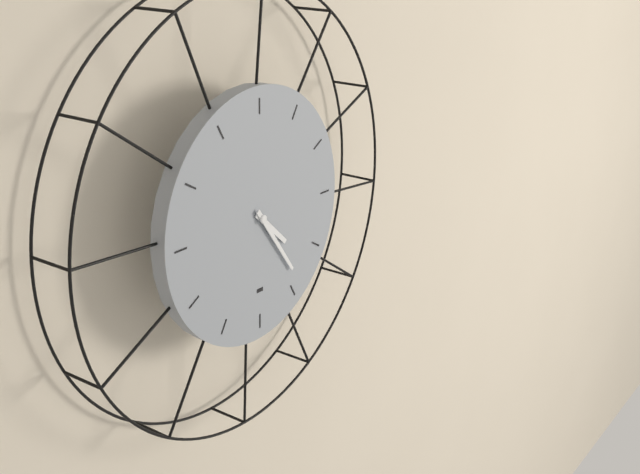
**4:24**
